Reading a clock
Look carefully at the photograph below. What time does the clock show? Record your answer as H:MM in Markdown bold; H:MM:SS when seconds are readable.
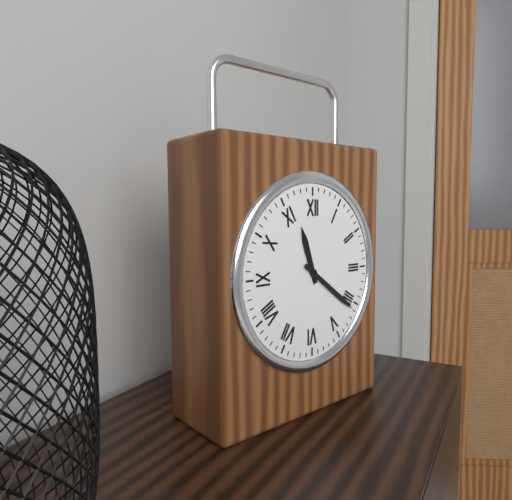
**11:21**
